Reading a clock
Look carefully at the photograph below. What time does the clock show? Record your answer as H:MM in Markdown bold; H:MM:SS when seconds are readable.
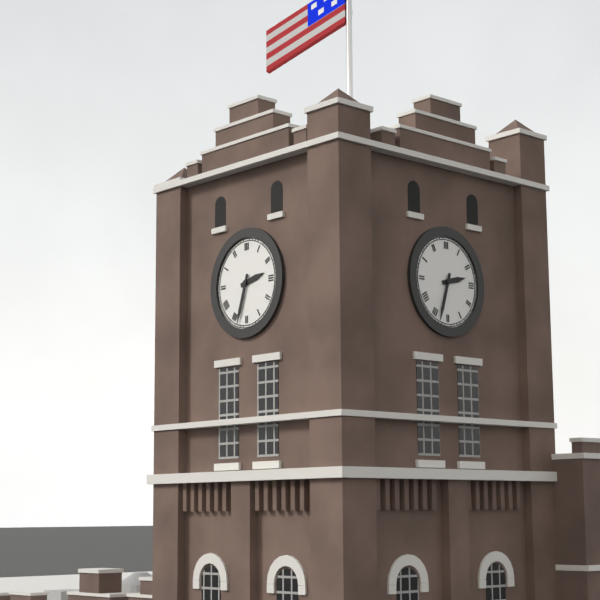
**2:33**
